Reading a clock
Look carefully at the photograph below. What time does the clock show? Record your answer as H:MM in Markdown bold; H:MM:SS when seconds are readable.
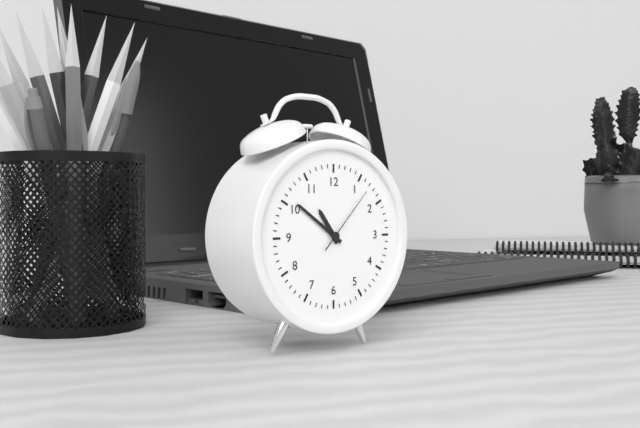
**10:51:07**
